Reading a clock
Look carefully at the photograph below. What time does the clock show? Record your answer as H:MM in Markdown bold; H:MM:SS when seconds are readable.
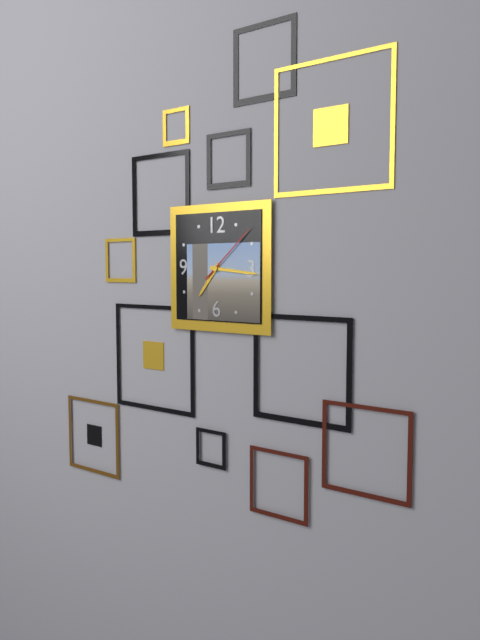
**7:16:08**
